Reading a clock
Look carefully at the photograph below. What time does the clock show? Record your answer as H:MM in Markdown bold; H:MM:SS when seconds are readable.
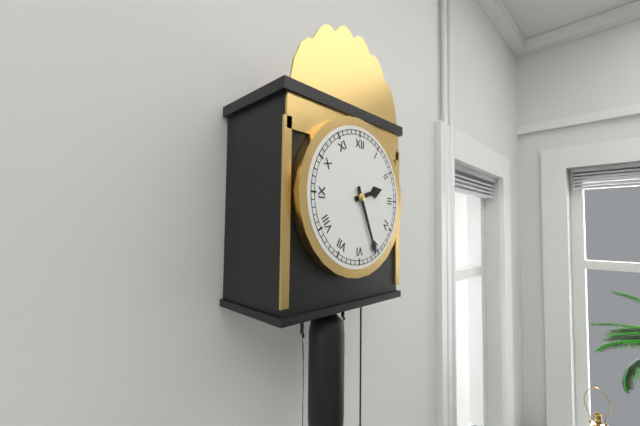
**2:26**
